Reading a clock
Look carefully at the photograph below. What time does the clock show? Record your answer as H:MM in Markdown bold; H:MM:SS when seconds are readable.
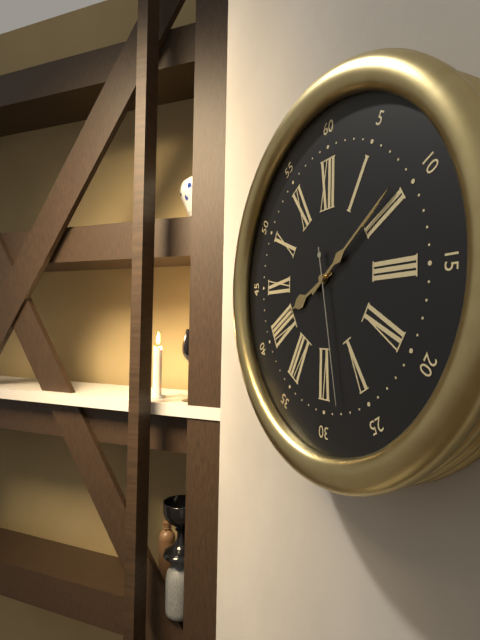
**8:09:28**
